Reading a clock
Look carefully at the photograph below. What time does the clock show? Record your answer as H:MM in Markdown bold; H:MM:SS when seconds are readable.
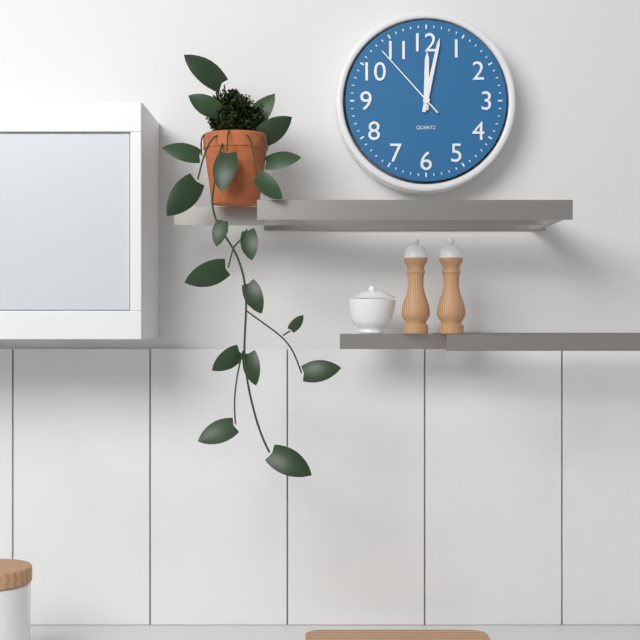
**12:02:53**
